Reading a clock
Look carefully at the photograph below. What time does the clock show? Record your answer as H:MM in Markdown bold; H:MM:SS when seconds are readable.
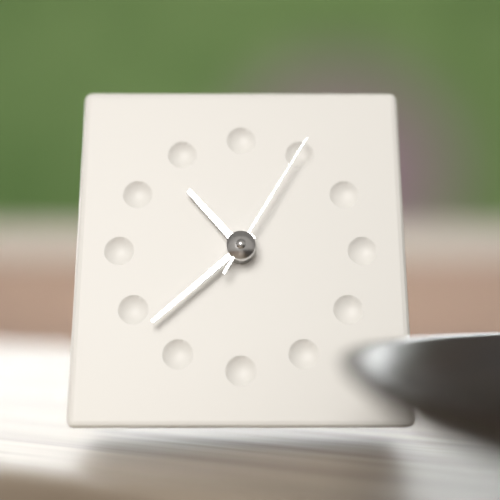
**10:38:05**
